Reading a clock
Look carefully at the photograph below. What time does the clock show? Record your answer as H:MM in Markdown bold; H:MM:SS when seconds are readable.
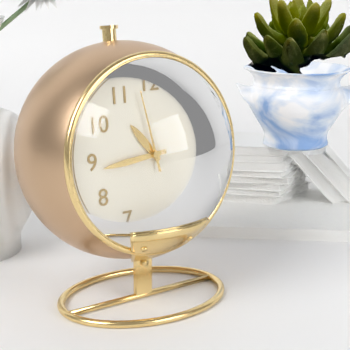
**10:44:58**
